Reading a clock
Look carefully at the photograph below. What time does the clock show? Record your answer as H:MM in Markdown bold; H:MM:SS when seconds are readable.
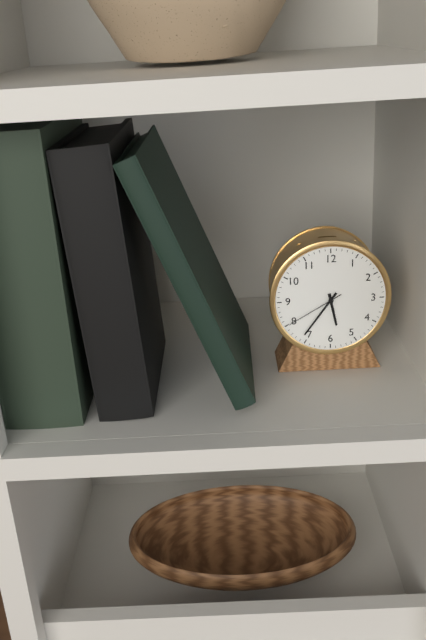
**5:36:40**
